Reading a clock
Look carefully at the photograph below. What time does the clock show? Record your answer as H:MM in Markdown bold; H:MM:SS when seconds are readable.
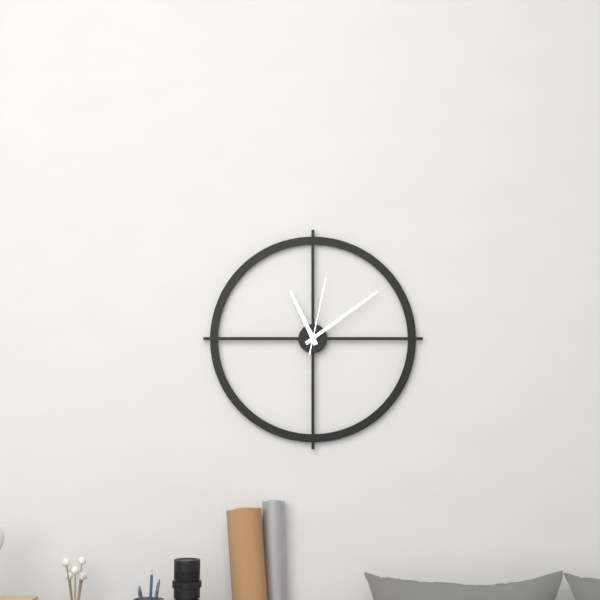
**11:09:02**
